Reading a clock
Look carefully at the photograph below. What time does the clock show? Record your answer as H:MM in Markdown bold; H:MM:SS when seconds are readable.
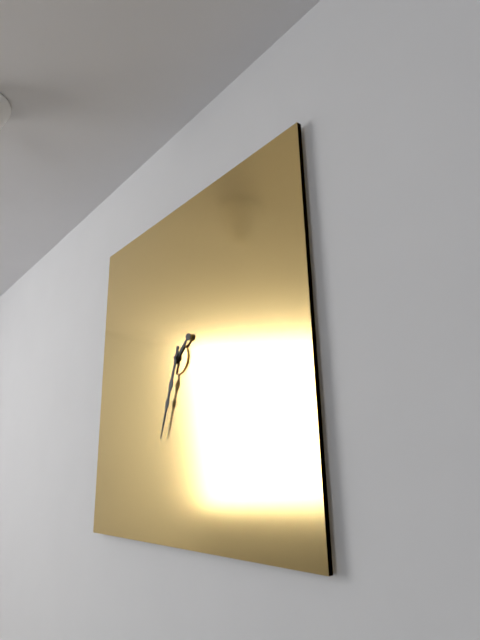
**1:33**
